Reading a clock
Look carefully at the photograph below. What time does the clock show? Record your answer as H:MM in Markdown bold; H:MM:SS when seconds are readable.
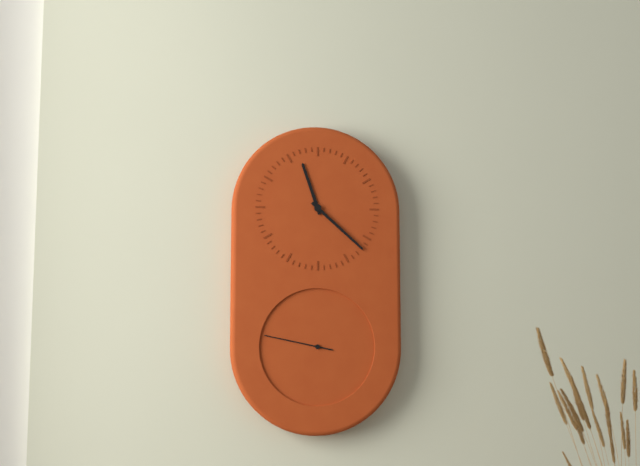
**11:22:47**
